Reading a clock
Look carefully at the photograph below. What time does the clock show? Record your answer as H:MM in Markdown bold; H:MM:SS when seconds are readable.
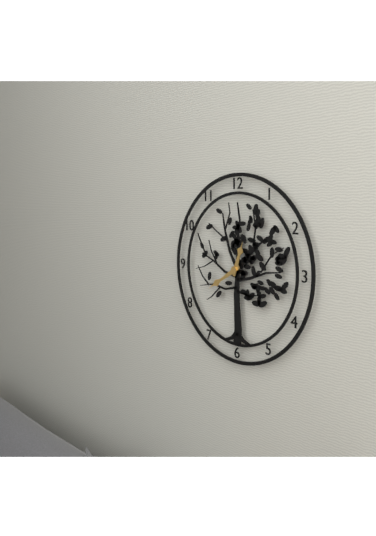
**12:40**
